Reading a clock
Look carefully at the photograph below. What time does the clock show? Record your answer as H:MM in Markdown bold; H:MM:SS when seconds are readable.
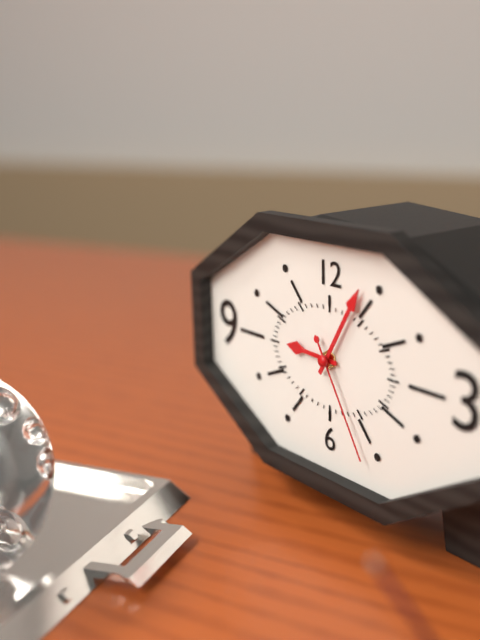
**9:05:25**
